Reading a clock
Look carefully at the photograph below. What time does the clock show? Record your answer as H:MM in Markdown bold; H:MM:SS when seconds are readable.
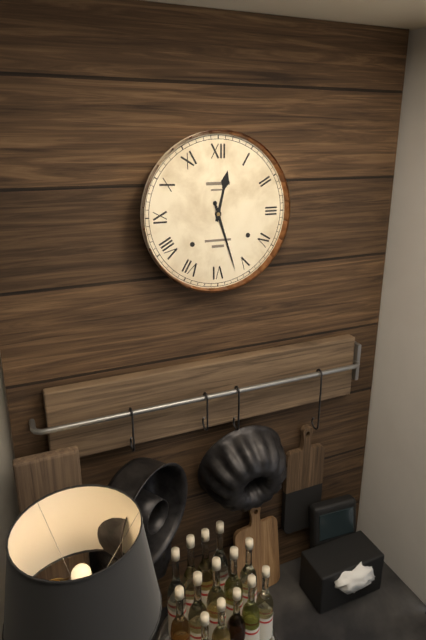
**12:27**
